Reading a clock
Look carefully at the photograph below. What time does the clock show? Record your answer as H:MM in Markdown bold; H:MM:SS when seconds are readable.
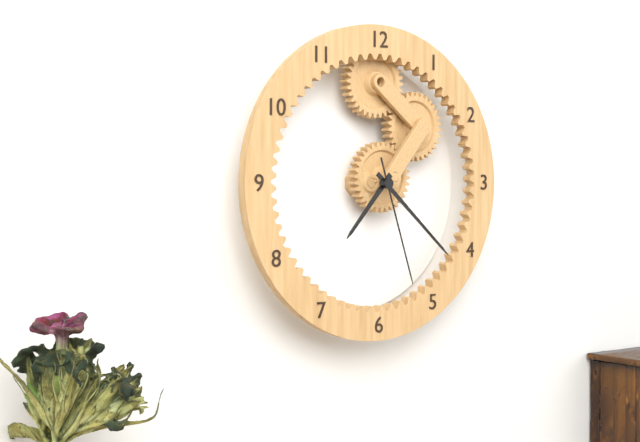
**7:22:27**
